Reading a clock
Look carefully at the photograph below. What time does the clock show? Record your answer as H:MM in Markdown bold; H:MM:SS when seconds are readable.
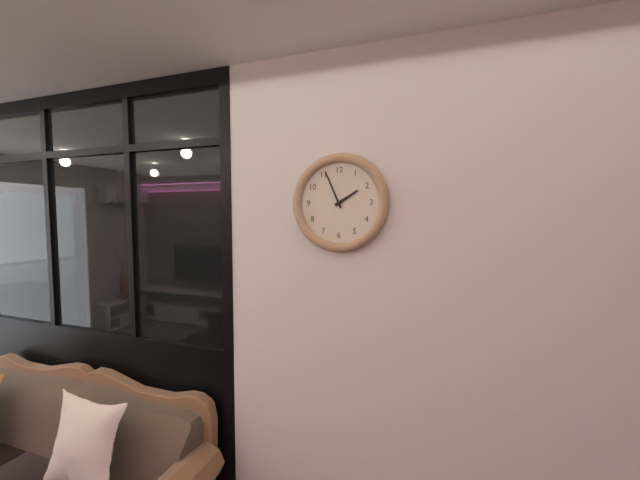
**1:56**
